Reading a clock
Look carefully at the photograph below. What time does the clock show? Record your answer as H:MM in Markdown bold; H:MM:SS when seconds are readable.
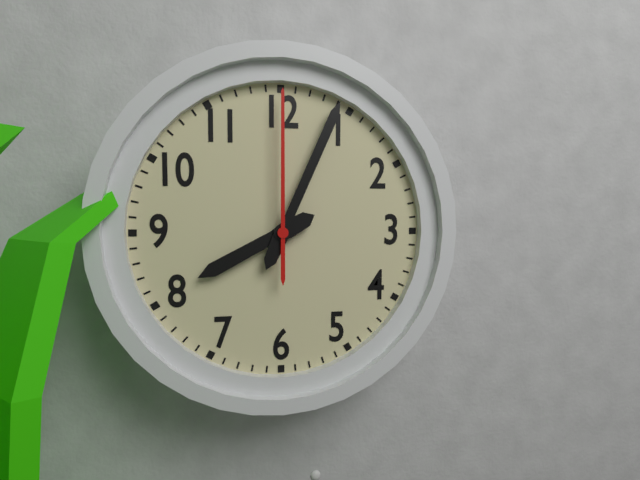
**8:04:00**
